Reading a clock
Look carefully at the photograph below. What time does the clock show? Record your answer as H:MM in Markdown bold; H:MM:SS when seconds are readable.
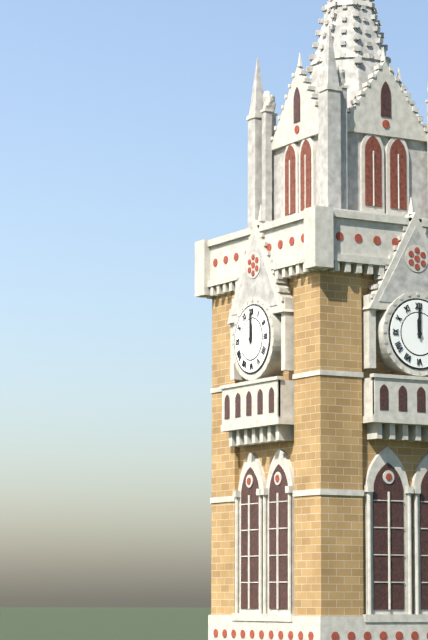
**12:00**
